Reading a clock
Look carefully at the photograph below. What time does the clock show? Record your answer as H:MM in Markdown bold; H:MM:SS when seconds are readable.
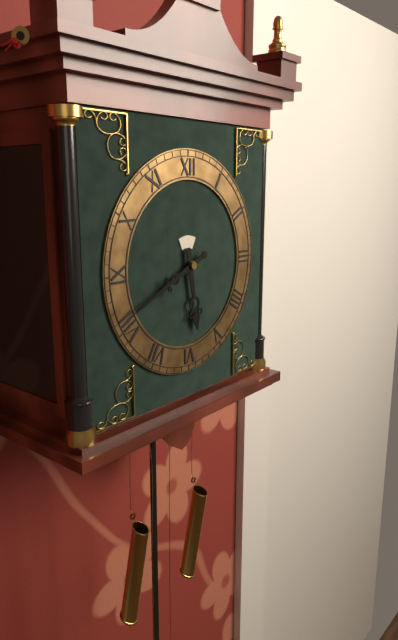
**5:41**
